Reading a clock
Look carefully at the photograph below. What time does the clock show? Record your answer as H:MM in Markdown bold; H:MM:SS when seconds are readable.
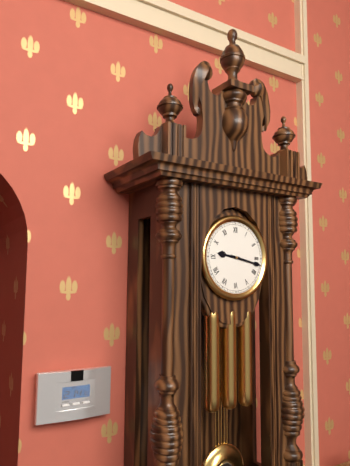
**9:17**
